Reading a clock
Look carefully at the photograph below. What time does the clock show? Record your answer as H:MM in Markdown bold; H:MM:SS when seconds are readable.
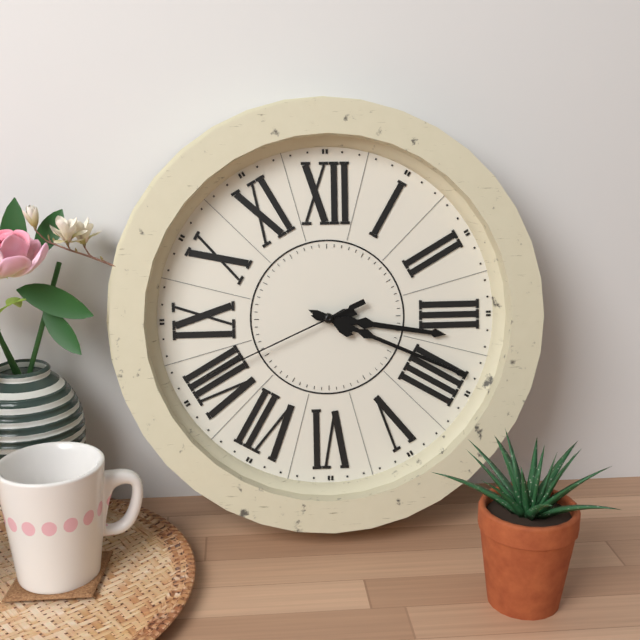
**3:19:41**
